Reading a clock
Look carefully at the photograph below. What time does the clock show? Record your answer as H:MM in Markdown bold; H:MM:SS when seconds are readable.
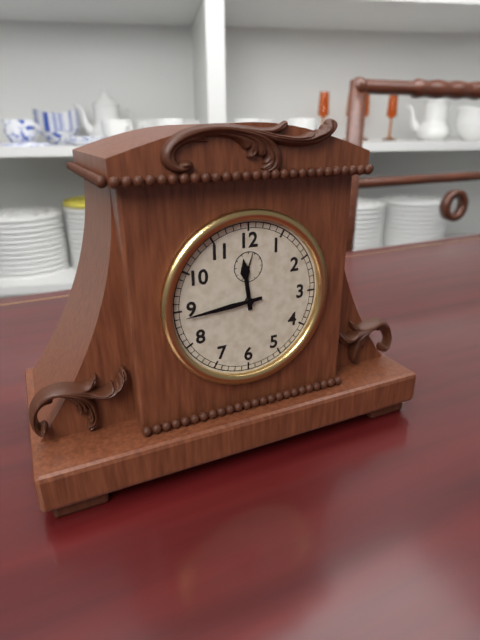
**11:44**
